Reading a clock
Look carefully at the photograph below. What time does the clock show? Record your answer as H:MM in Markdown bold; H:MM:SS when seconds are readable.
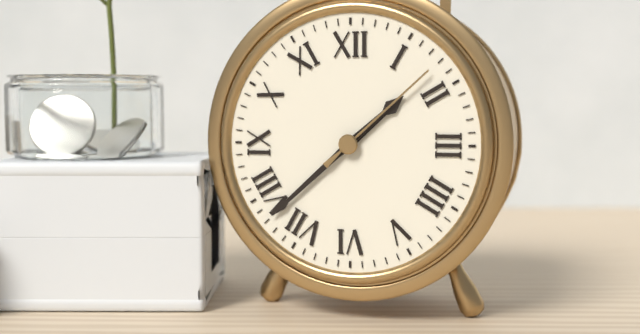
**1:38:08**
